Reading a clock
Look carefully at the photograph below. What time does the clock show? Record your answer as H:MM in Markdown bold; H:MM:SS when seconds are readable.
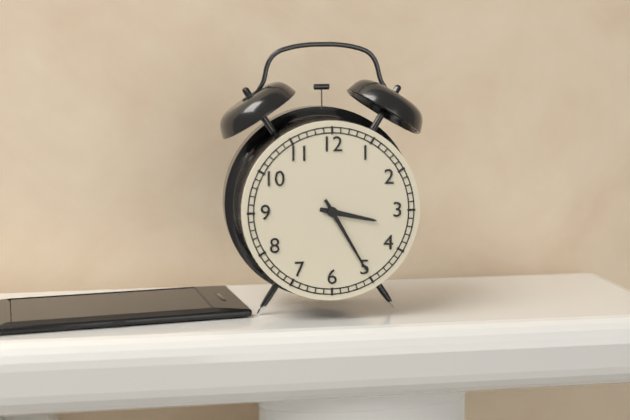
**3:25**
